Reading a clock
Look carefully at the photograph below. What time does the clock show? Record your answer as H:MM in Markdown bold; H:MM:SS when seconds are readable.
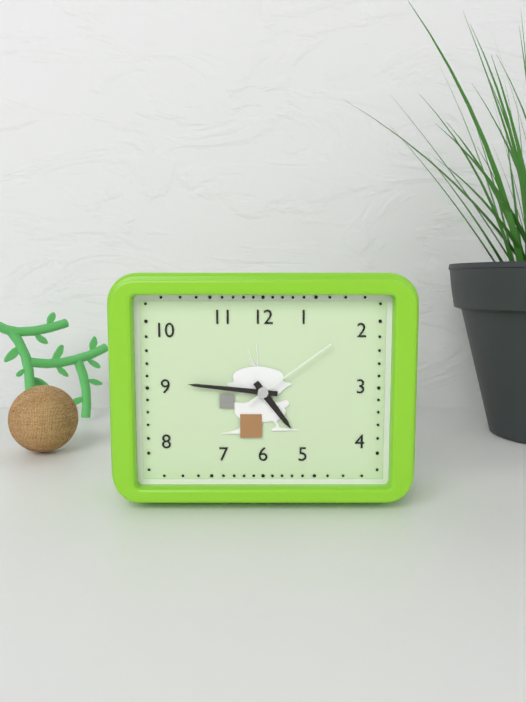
**4:46:09**
